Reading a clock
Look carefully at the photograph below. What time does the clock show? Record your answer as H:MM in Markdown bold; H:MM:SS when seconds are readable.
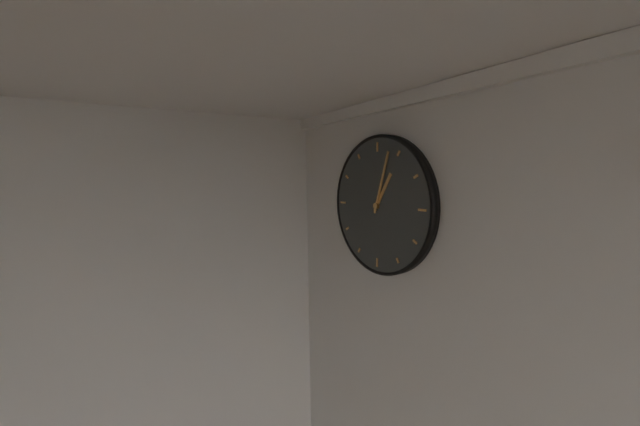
**1:03**
